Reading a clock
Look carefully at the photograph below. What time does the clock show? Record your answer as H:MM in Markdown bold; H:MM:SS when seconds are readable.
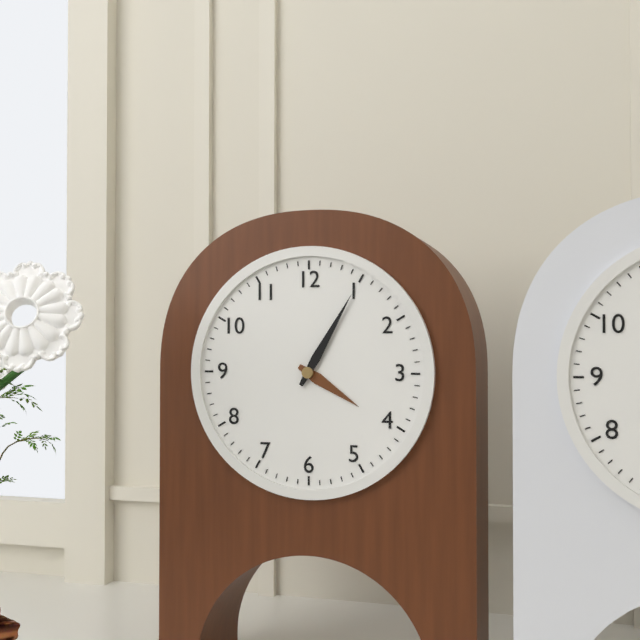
**4:05**
